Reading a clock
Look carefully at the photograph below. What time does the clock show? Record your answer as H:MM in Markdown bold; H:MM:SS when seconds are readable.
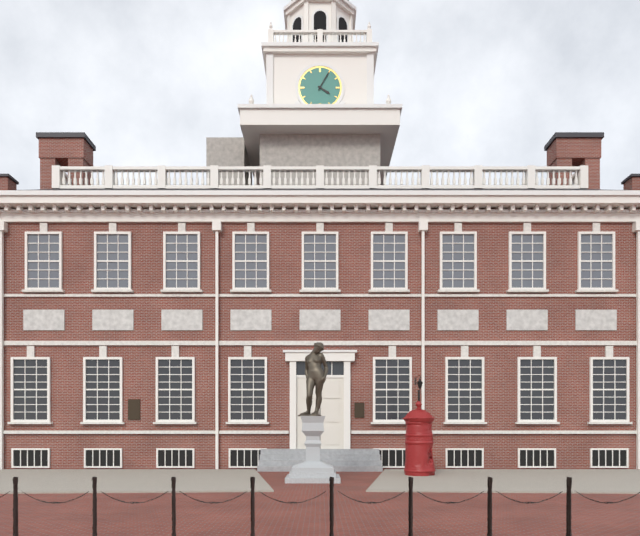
**4:05**
